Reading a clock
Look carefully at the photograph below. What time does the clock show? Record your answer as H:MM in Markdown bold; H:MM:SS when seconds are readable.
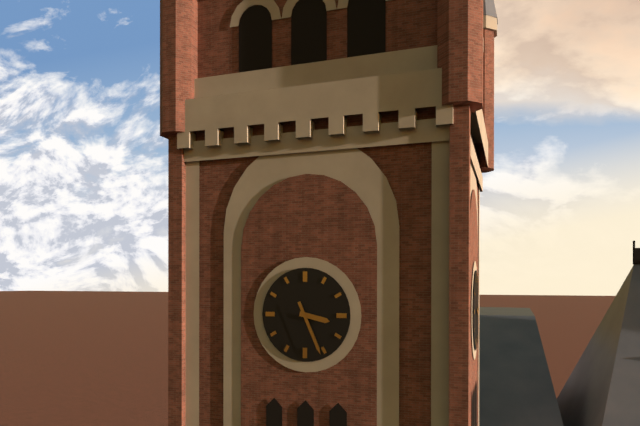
**3:26**
